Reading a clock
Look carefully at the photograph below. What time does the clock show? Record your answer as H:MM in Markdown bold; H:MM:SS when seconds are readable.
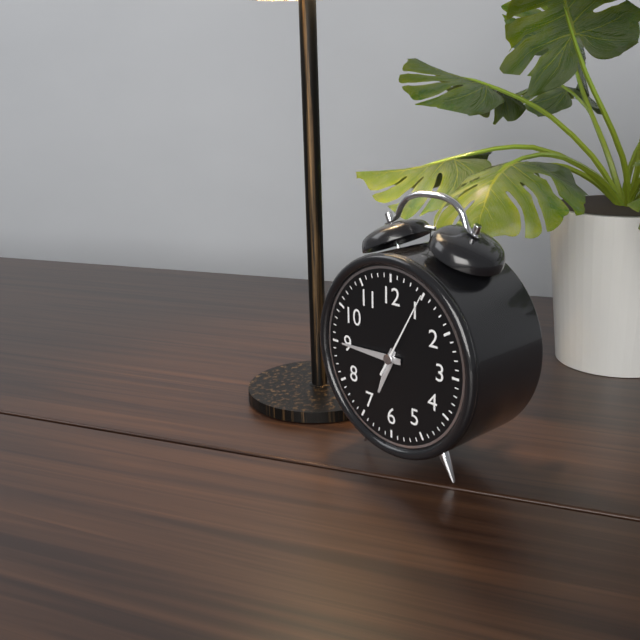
**6:45:05**
